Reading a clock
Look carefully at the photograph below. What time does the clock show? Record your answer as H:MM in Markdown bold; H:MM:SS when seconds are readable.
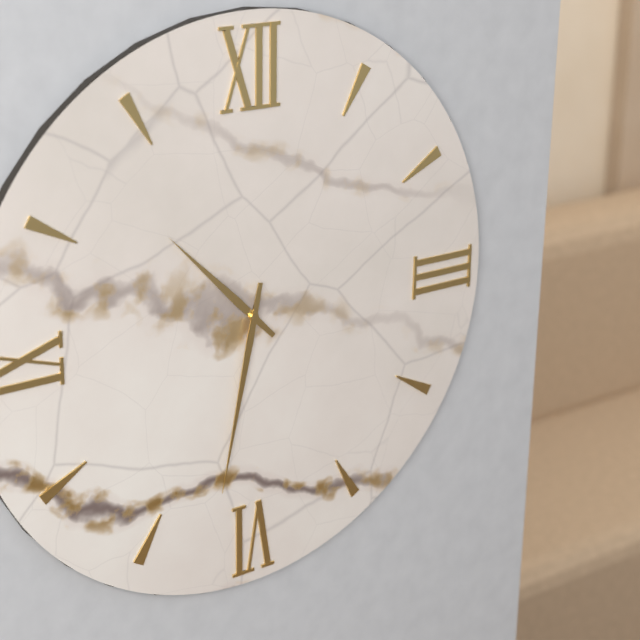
**10:32**
